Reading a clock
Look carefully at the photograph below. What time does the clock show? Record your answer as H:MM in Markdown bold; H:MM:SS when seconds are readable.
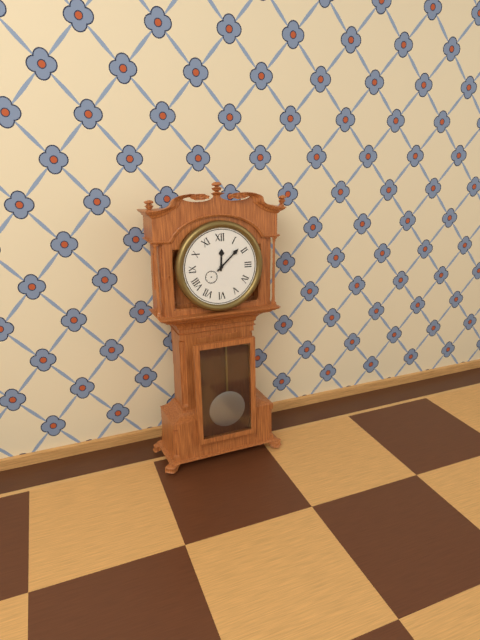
**12:08**
